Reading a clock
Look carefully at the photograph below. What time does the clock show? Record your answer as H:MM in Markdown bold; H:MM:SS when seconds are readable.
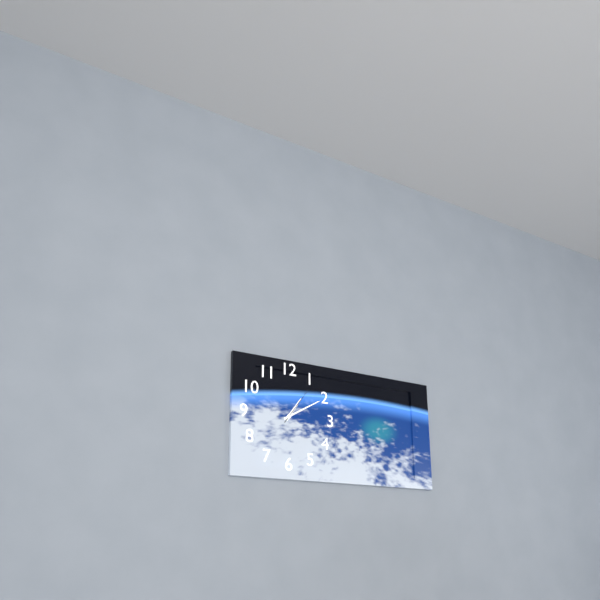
**1:10**
